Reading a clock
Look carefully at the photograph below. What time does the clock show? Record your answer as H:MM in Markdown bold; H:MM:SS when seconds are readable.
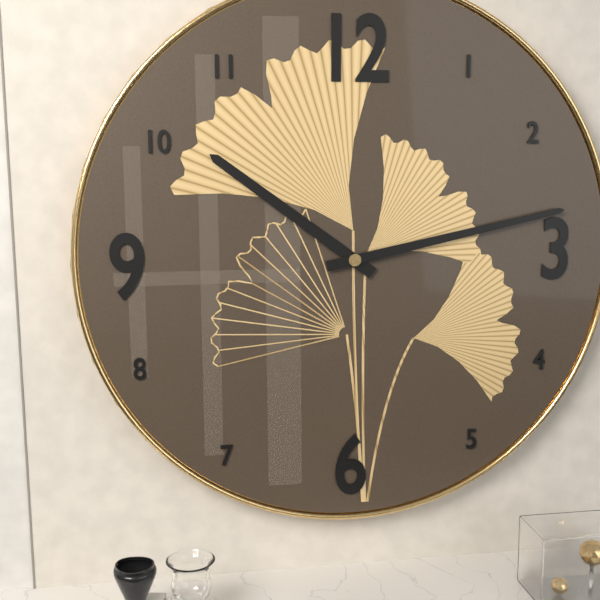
**10:13**
